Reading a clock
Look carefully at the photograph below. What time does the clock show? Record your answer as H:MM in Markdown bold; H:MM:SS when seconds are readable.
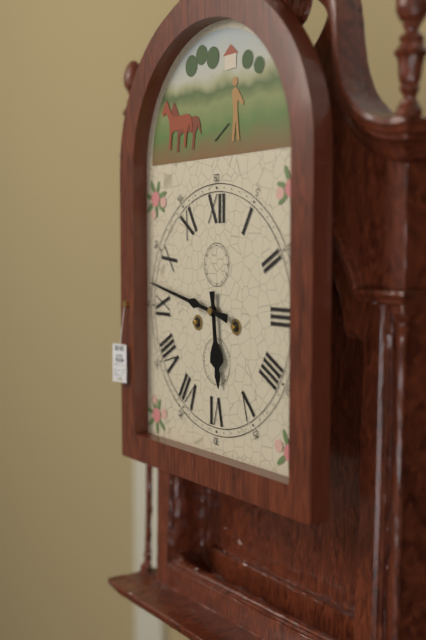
**5:47**
